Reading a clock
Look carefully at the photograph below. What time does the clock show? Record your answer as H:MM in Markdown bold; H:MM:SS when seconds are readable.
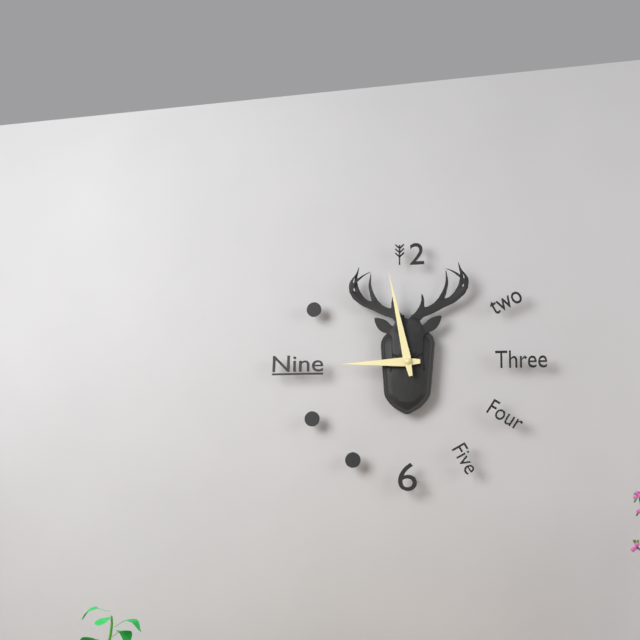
**8:58**
